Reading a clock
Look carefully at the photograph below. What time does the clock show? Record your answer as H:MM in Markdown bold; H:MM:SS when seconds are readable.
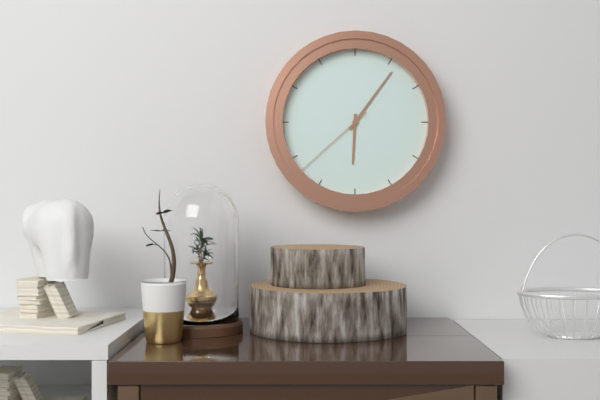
**6:06:38**
